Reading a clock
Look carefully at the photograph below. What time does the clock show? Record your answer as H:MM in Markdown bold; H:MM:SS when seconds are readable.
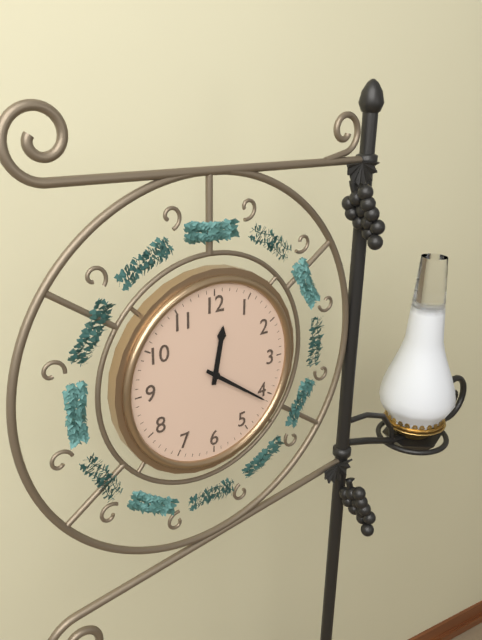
**12:21**
